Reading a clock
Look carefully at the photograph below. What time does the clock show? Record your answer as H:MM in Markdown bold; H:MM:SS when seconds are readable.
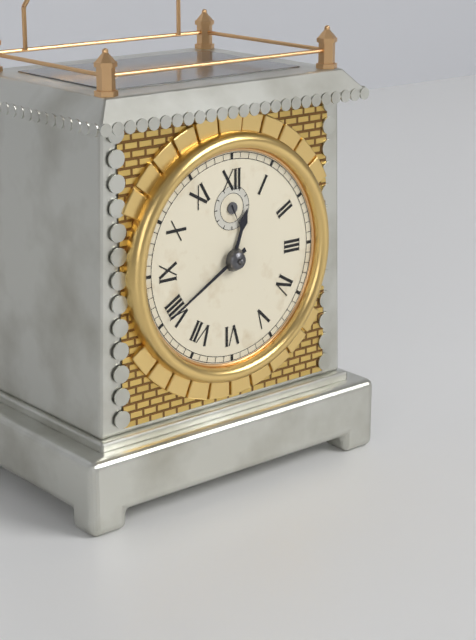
**12:40**
